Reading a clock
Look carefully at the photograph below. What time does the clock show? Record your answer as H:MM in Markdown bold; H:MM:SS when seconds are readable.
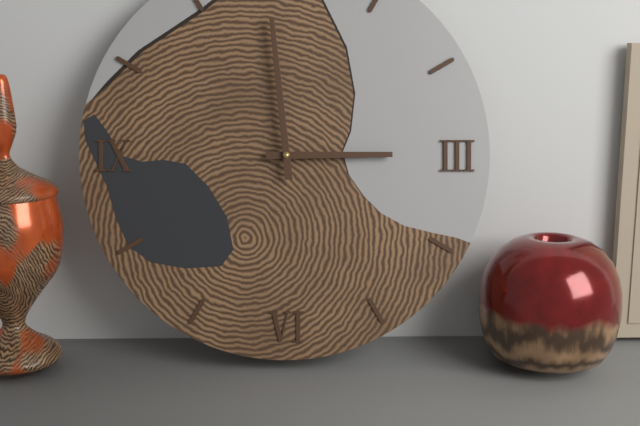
**2:59**
